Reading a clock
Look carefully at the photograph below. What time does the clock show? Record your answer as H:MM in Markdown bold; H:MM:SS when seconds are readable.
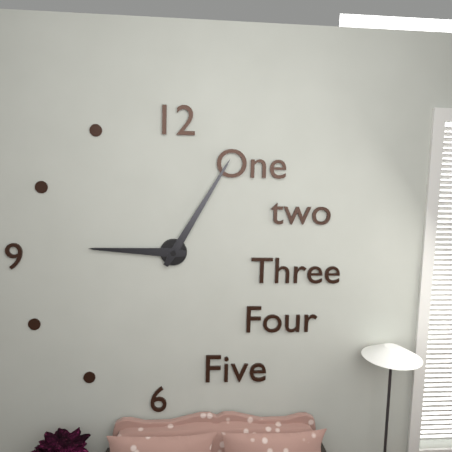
**9:05**
